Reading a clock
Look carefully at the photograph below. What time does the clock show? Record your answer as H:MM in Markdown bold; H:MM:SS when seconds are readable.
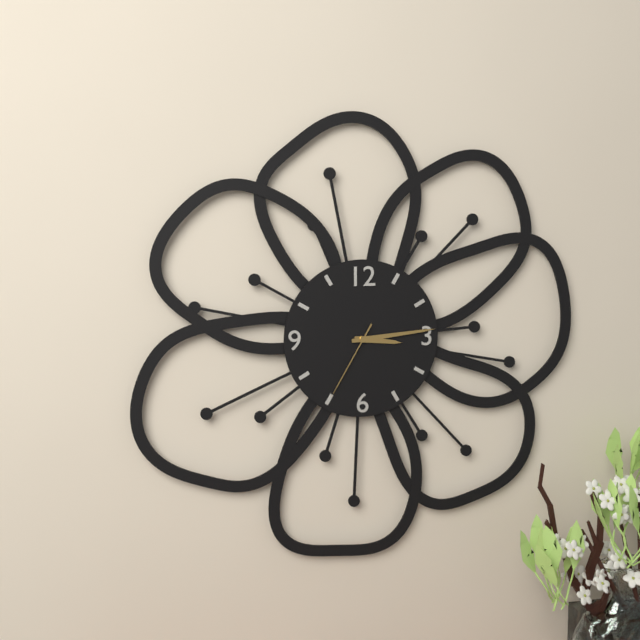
**3:14:35**
